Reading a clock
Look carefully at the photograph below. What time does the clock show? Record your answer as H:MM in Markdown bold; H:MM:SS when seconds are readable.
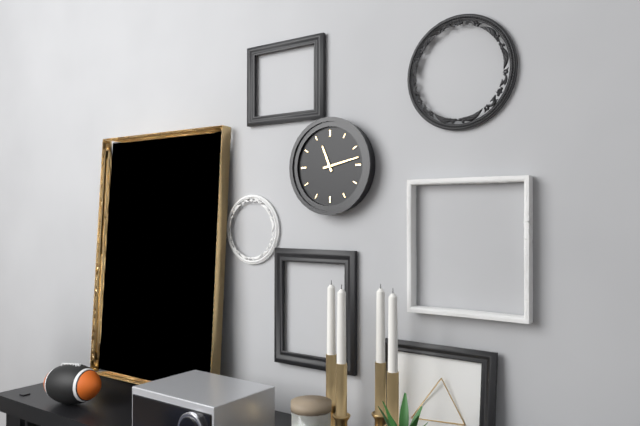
**11:13**
